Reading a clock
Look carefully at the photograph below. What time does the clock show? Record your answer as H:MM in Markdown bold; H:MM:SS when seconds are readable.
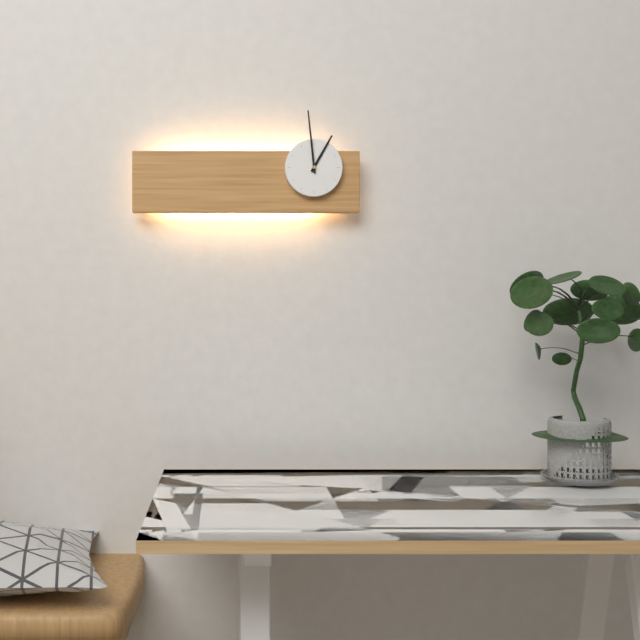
**12:59**
